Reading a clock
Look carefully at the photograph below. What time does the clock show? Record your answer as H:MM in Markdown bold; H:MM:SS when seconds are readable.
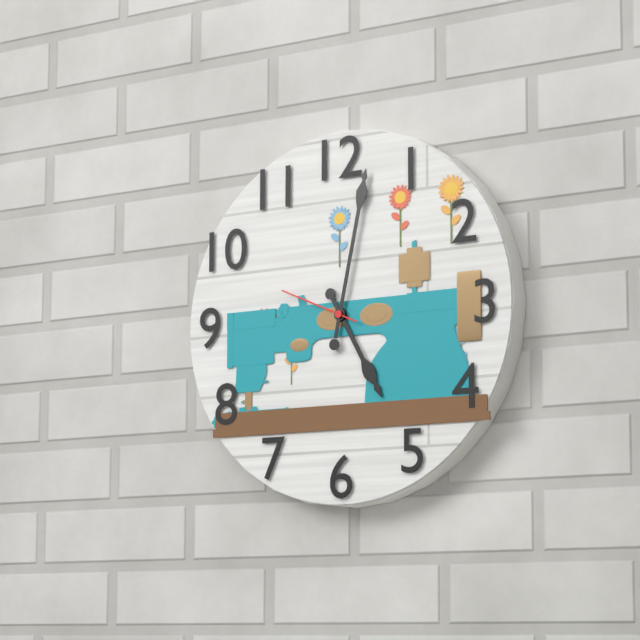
**5:02:49**
